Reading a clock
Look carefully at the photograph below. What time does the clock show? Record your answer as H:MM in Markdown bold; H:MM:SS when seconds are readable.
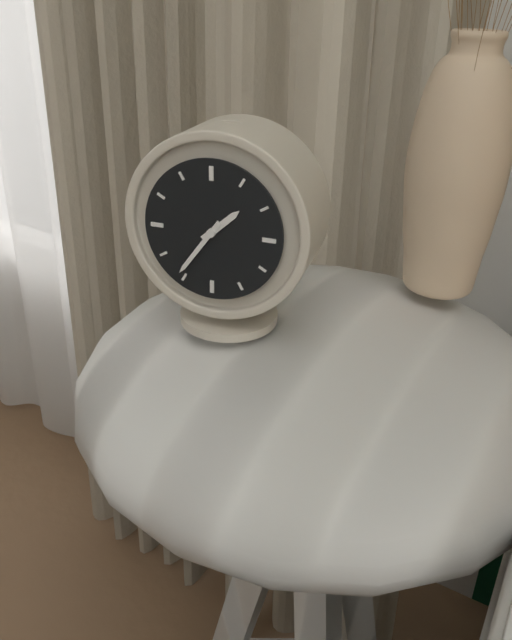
**1:36**
